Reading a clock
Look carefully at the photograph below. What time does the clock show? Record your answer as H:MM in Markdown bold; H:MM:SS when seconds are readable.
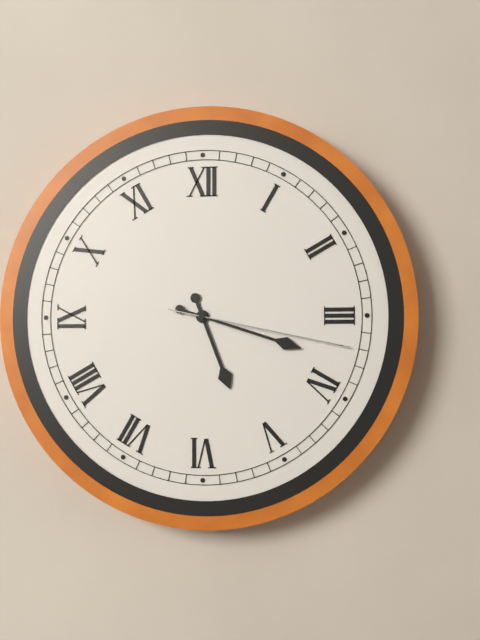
**5:18:17**
